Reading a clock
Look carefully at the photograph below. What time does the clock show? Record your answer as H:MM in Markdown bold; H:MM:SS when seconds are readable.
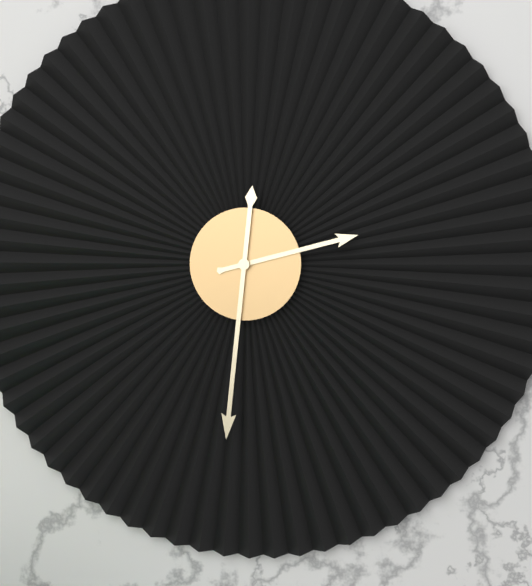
**2:31**
